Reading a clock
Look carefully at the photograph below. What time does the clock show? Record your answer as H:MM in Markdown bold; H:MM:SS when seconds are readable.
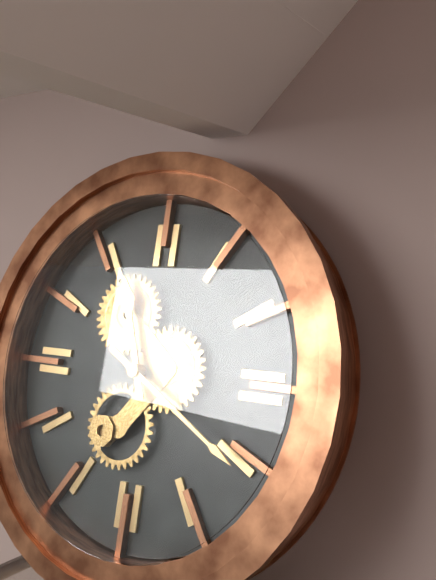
**11:20**
